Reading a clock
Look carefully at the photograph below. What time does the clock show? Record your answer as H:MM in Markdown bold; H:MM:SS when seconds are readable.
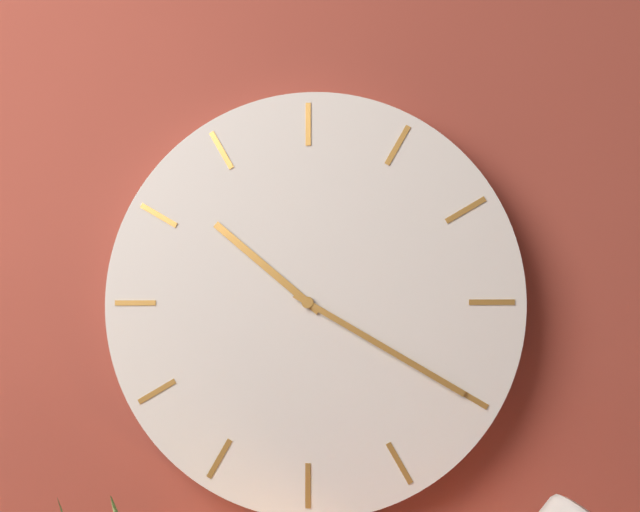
**10:20**
